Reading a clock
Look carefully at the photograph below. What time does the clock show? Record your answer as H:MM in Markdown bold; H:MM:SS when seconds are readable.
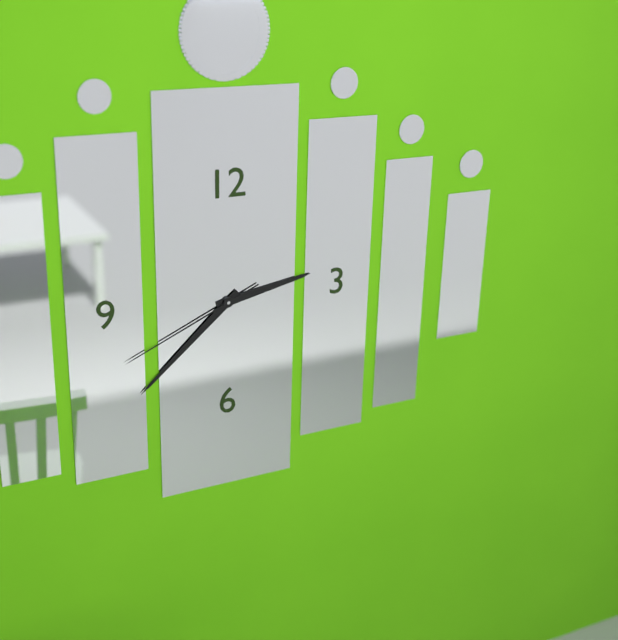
**2:38:41**
